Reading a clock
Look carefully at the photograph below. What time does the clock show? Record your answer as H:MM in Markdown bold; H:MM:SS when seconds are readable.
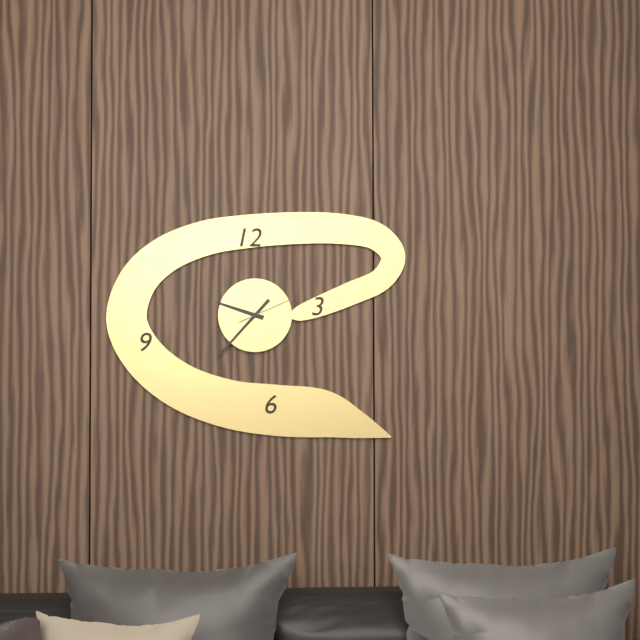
**9:37:11**
